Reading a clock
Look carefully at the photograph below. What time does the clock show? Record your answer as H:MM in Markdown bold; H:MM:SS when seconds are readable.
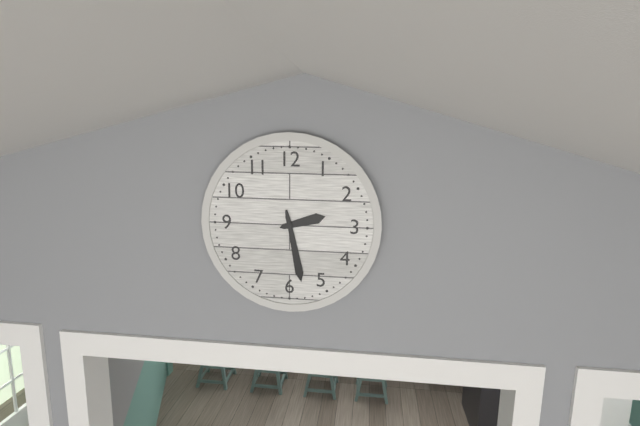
**2:28**
